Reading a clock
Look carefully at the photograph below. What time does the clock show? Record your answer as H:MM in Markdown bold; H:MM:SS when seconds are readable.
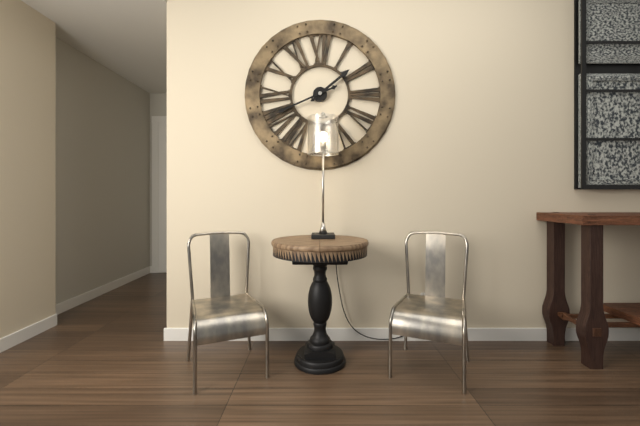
**1:41**
